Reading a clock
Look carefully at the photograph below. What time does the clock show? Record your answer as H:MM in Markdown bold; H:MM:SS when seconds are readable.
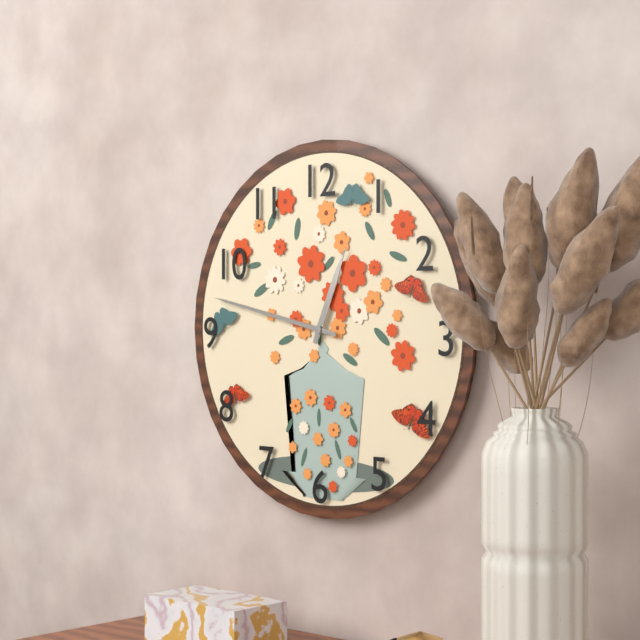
**12:47**
